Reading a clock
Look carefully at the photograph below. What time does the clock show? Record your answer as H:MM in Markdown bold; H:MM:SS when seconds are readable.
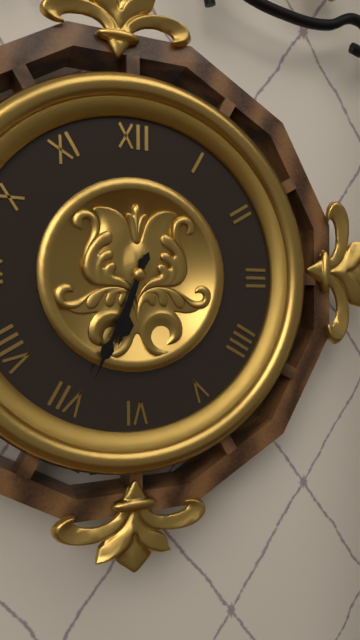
**6:34**
